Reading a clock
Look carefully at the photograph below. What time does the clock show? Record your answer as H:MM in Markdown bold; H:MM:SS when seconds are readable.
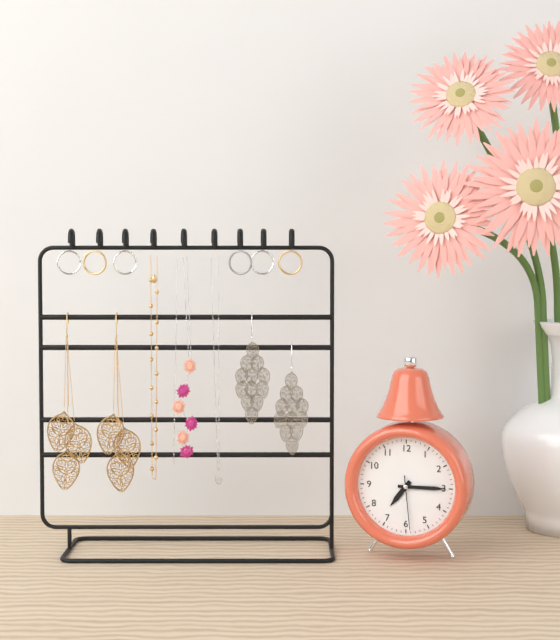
**7:15:29**
